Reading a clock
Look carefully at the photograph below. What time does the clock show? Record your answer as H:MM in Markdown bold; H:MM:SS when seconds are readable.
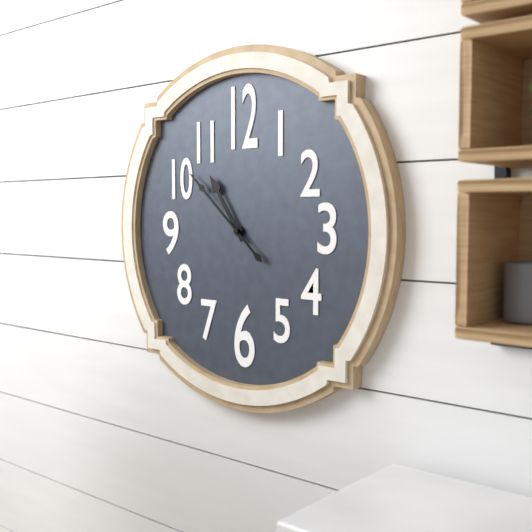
**10:52**
